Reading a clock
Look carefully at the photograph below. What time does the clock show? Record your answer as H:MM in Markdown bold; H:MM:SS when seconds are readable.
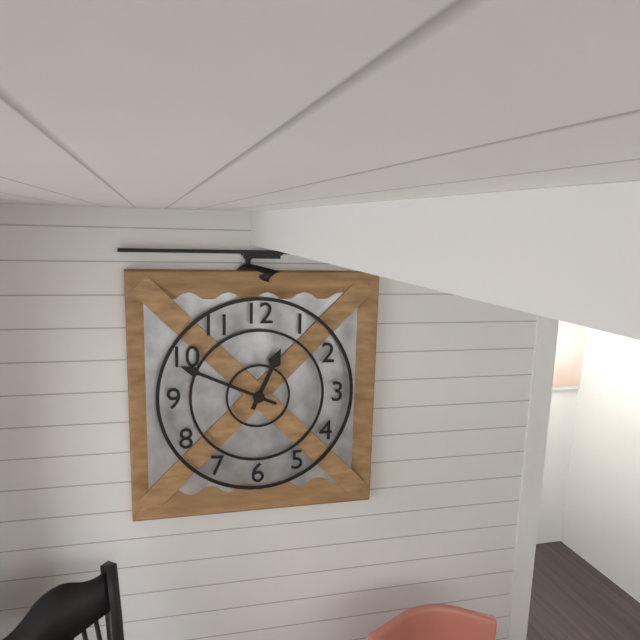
**12:49**
